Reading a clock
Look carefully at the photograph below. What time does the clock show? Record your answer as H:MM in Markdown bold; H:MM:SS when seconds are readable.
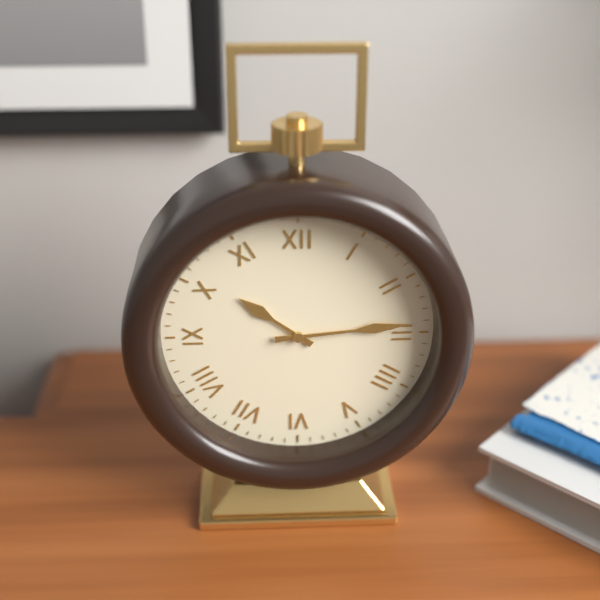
**10:14**
